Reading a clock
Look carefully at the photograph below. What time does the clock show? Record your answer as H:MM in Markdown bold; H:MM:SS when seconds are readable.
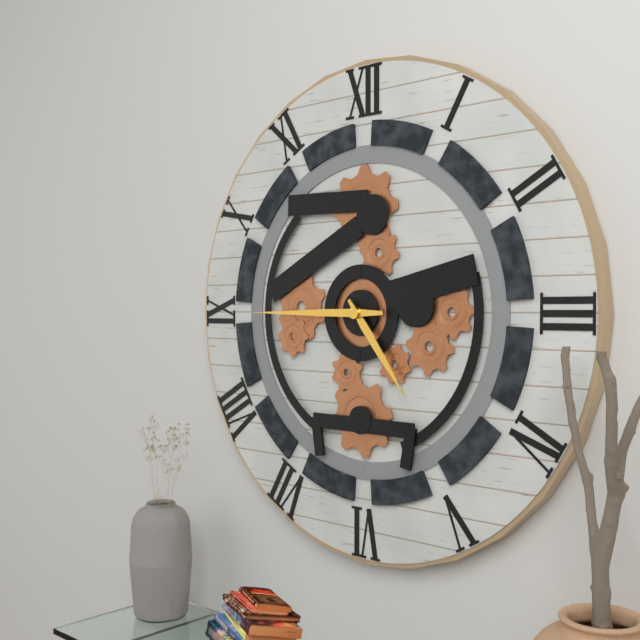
**4:45**
